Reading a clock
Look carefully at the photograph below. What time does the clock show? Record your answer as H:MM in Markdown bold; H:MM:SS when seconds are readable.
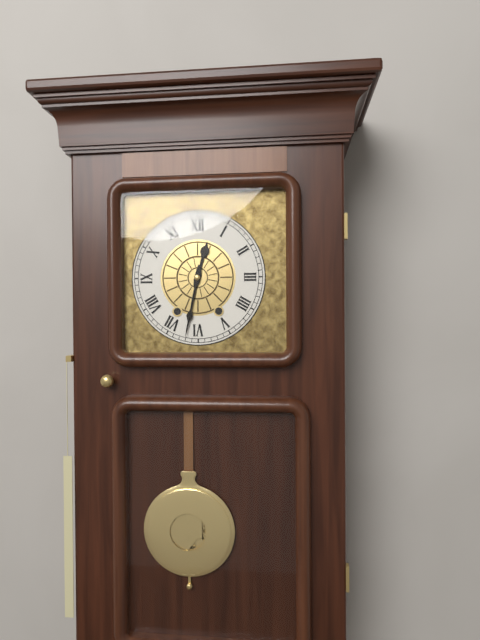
**12:32**
